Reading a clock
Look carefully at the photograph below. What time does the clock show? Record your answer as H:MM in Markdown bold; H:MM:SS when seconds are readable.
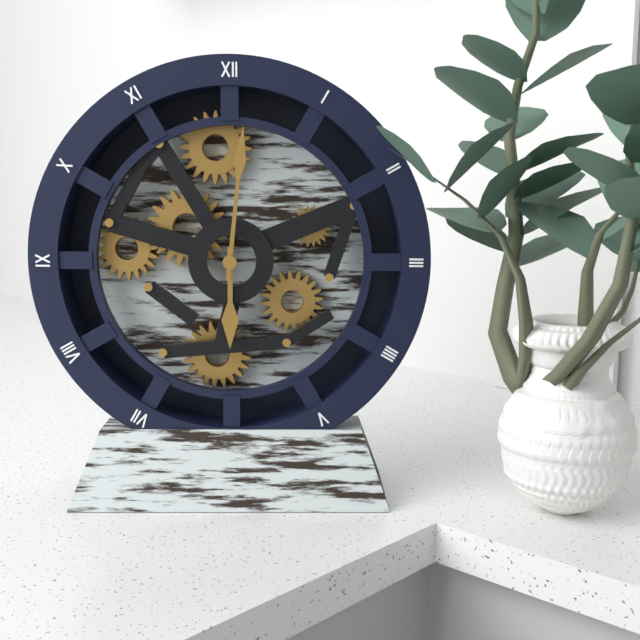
**6:01**
